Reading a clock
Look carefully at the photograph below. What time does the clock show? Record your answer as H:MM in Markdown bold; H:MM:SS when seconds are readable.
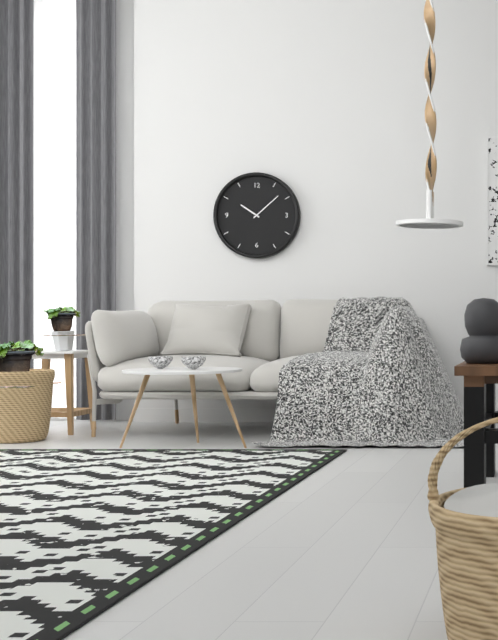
**10:08**
